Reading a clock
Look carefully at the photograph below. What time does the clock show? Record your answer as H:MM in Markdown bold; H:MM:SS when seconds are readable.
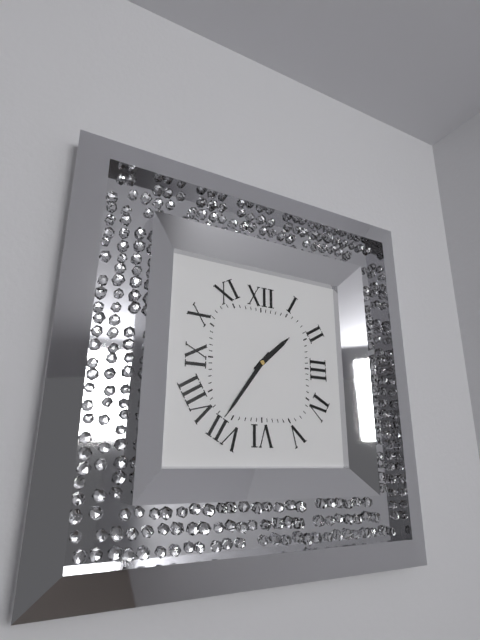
**1:36**
